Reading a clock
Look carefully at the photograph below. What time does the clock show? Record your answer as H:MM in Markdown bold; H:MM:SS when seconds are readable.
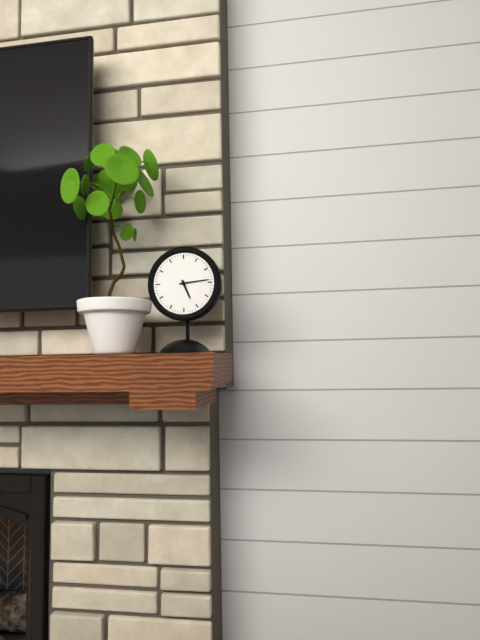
**5:14**
